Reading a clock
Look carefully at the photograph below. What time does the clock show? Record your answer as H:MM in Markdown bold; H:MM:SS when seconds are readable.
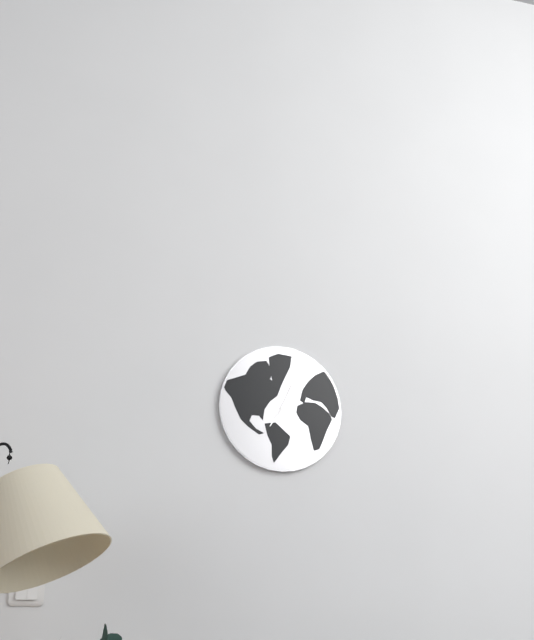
**7:04**
